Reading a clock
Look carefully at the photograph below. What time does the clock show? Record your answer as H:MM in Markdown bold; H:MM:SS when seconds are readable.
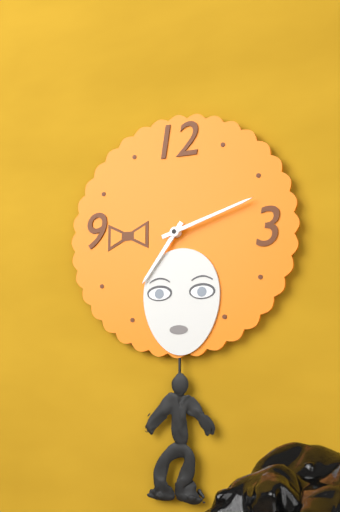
**7:12**
